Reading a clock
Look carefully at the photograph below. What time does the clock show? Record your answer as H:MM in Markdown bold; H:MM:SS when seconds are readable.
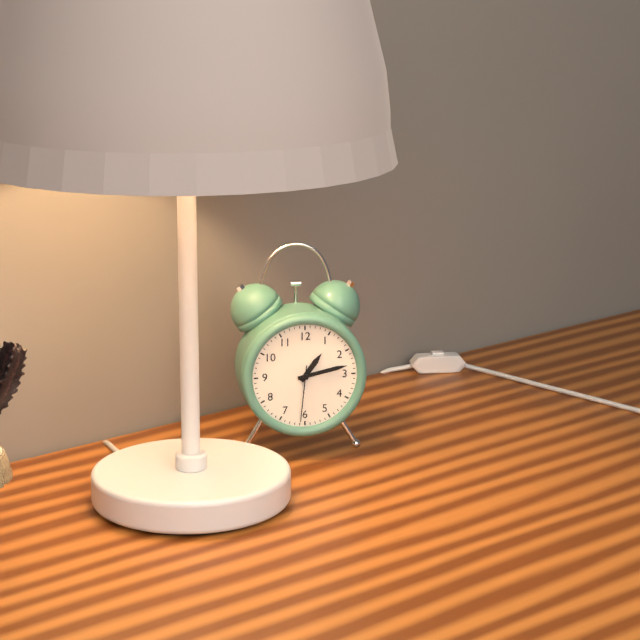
**1:13:31**
